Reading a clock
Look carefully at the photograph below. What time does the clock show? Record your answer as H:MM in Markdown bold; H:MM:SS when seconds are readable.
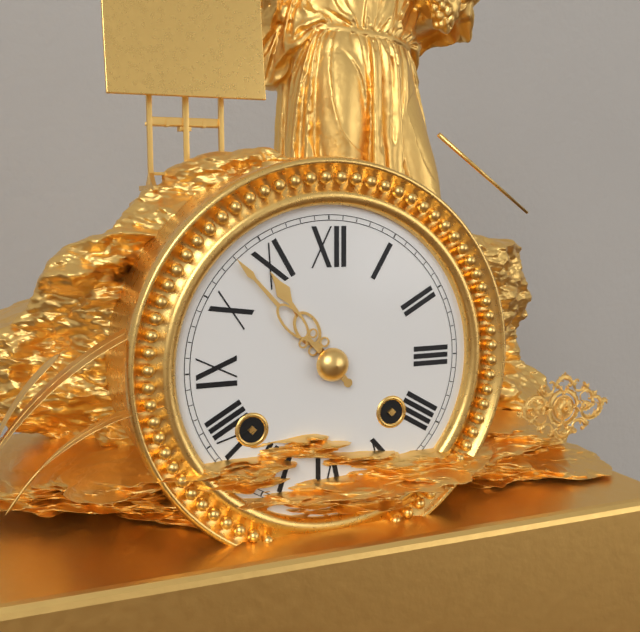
**10:53**
